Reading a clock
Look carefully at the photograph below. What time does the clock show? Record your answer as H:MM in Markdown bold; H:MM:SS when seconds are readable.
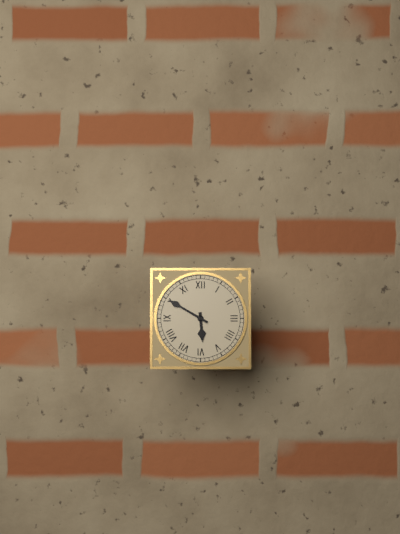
**5:50**
